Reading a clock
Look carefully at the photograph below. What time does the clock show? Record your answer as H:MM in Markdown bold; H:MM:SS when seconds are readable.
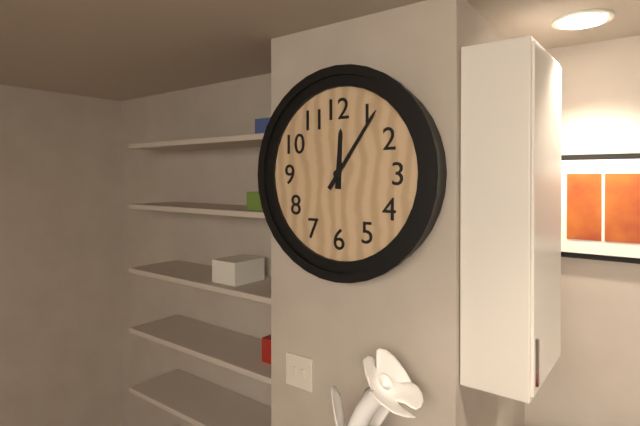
**12:06**
